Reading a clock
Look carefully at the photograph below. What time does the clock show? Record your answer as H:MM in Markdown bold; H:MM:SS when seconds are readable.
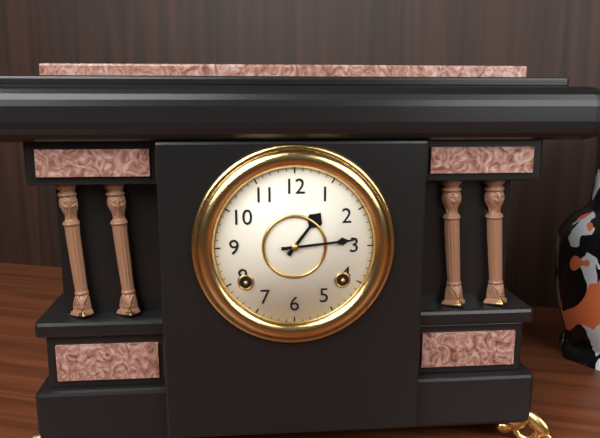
**1:14**
